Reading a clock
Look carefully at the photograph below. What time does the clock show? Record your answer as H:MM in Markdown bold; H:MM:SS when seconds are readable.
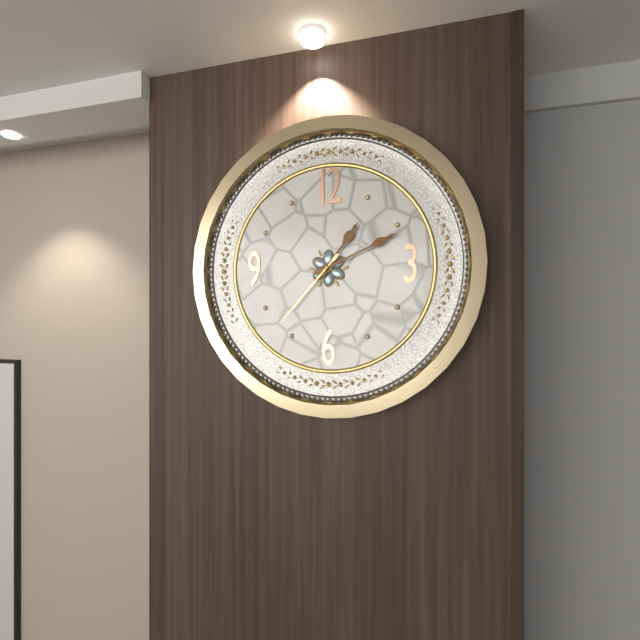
**1:11:37**
